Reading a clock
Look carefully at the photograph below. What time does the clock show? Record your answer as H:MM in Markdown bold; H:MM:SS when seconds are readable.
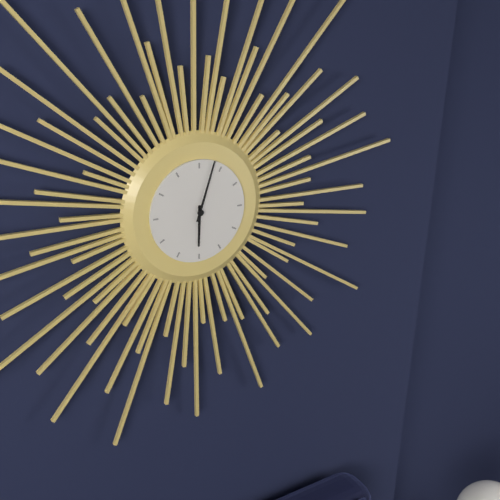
**6:03**
